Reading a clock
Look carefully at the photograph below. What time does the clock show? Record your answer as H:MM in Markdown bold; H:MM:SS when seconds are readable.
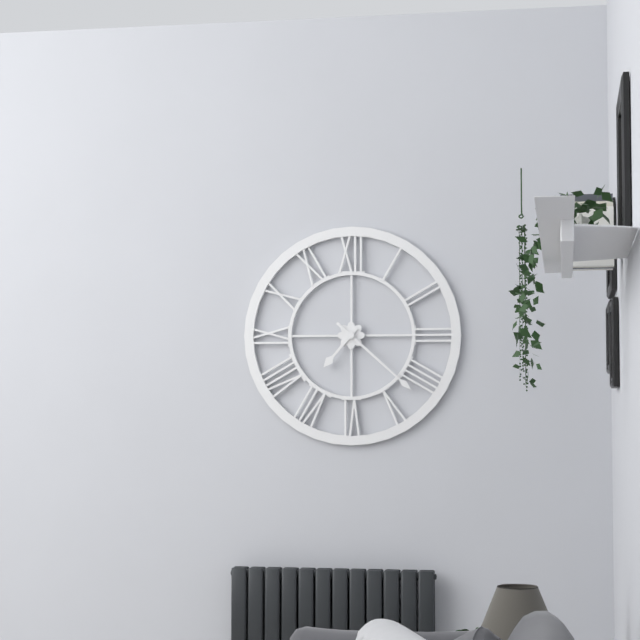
**7:22**
